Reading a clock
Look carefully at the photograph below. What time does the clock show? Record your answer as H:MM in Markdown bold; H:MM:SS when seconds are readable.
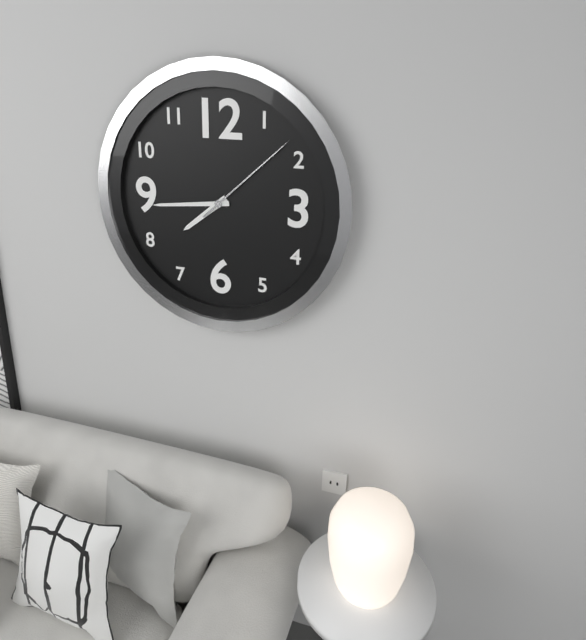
**7:44:08**
